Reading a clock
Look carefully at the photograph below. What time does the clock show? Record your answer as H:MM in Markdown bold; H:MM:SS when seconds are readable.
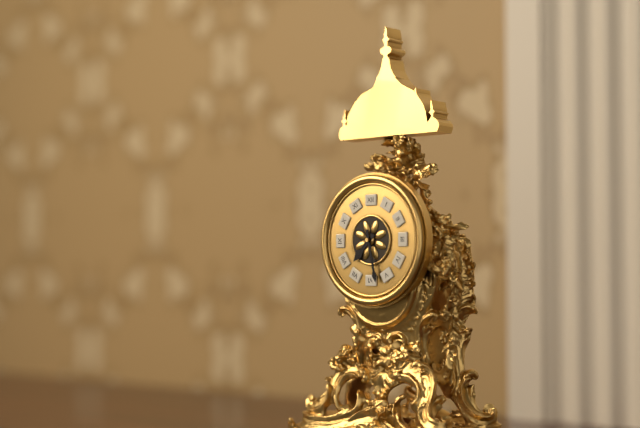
**7:28**
